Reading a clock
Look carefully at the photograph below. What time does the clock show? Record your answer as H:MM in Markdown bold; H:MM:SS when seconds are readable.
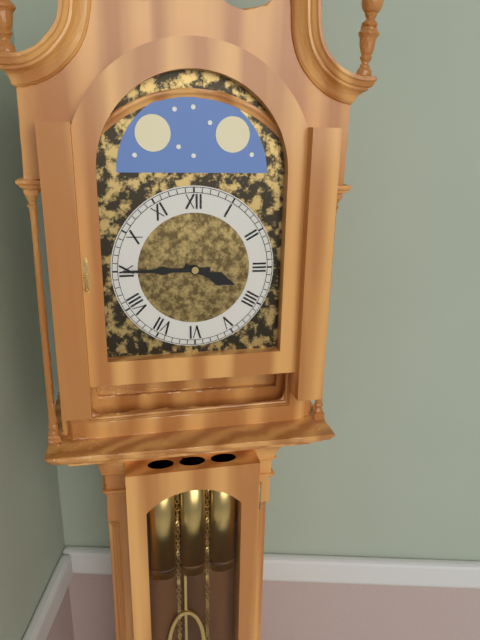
**3:45**
